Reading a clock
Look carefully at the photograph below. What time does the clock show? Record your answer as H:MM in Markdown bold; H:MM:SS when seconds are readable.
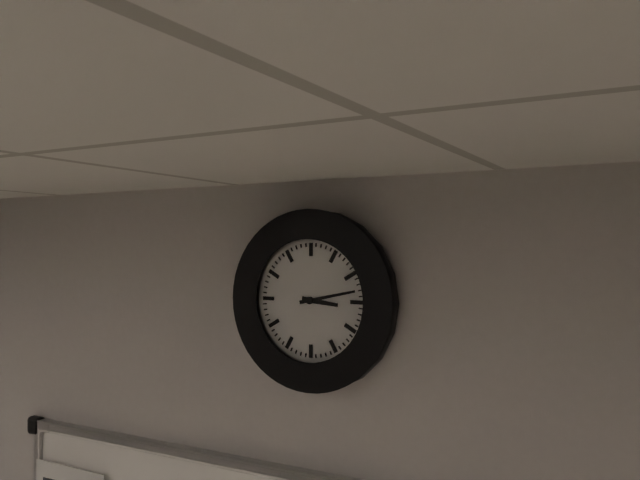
**3:13**
